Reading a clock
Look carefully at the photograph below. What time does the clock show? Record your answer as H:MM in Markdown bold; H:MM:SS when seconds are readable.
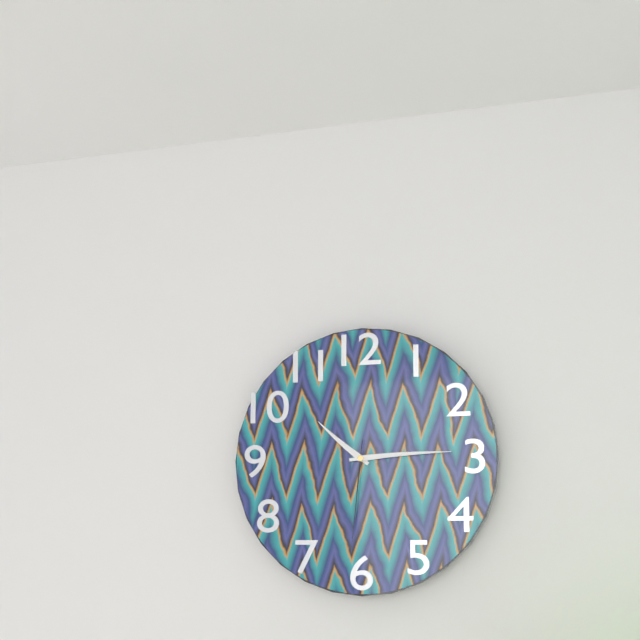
**10:14:31**
